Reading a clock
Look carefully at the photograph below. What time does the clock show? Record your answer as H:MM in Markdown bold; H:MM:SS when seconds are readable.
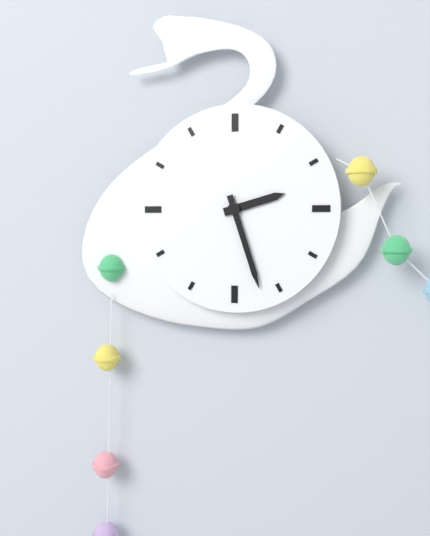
**2:27**
